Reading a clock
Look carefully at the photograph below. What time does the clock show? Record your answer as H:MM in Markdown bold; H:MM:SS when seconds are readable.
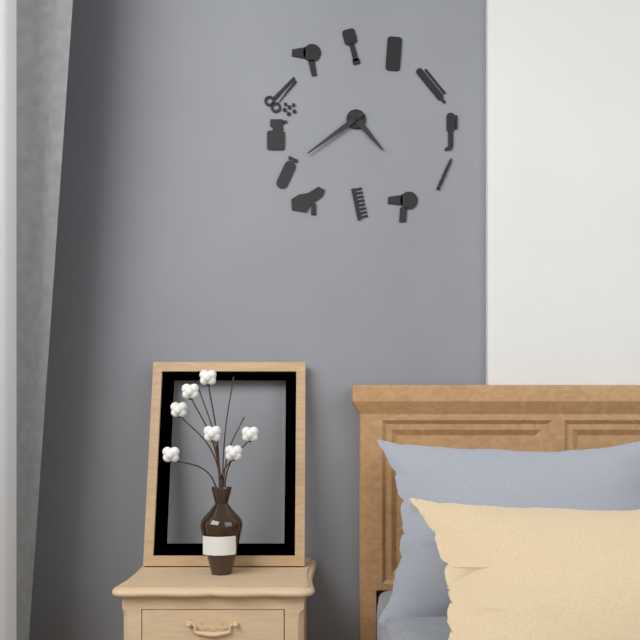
**4:39**
